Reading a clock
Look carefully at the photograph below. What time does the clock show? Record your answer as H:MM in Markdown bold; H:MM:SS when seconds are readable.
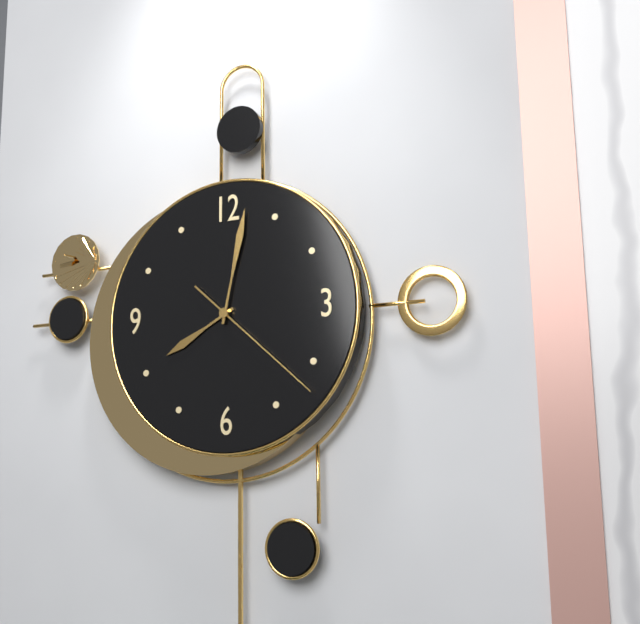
**8:02:22**
